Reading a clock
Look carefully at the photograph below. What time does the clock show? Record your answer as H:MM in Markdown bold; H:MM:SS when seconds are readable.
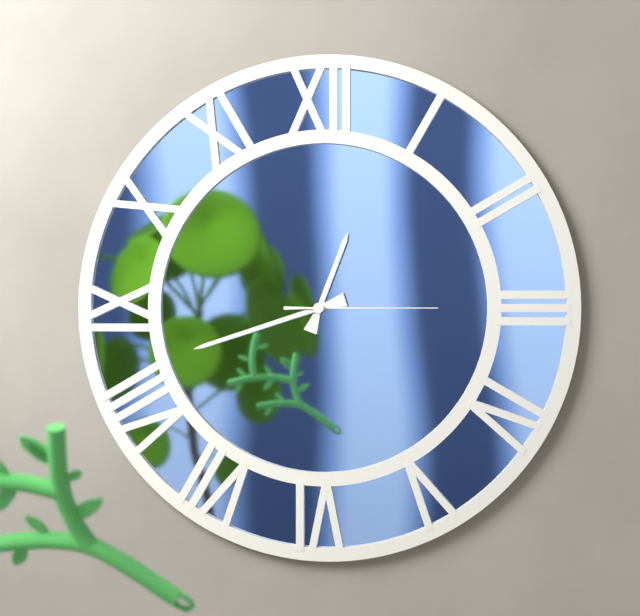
**12:42:15**
